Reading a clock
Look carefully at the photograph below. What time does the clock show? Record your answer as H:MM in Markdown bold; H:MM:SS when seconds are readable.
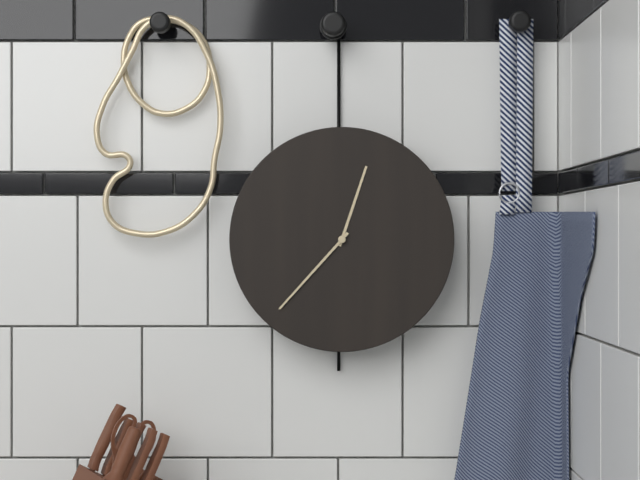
**12:37**
